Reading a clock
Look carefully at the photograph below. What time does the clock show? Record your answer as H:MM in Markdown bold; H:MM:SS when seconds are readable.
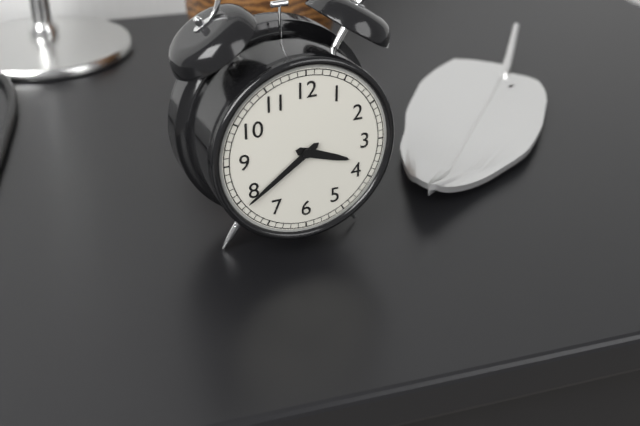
**3:39**
